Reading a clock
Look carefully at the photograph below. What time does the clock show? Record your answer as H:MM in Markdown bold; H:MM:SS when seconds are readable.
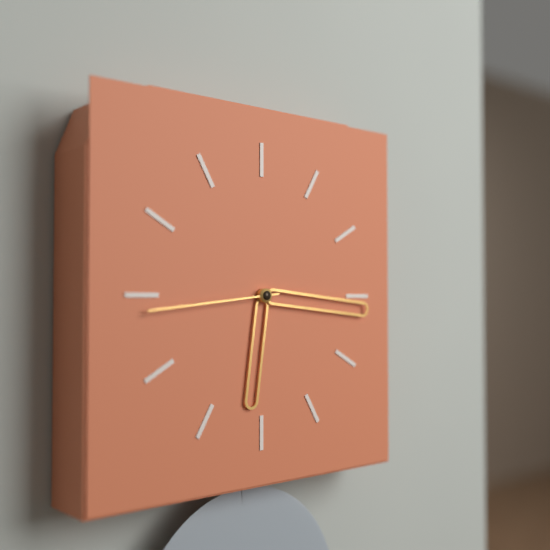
**6:16:44**
